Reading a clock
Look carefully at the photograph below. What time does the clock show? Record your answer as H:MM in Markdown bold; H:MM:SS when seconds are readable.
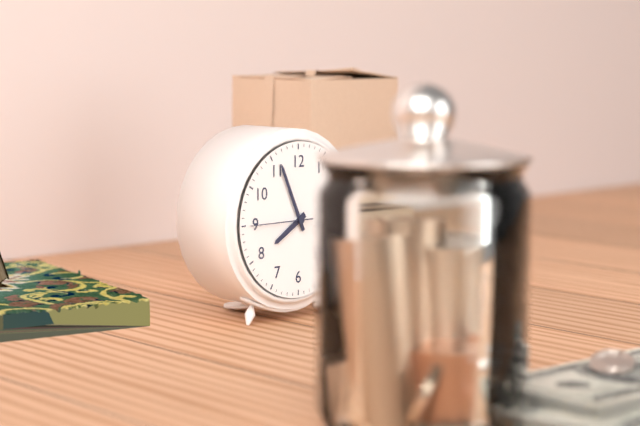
**7:56:45**
